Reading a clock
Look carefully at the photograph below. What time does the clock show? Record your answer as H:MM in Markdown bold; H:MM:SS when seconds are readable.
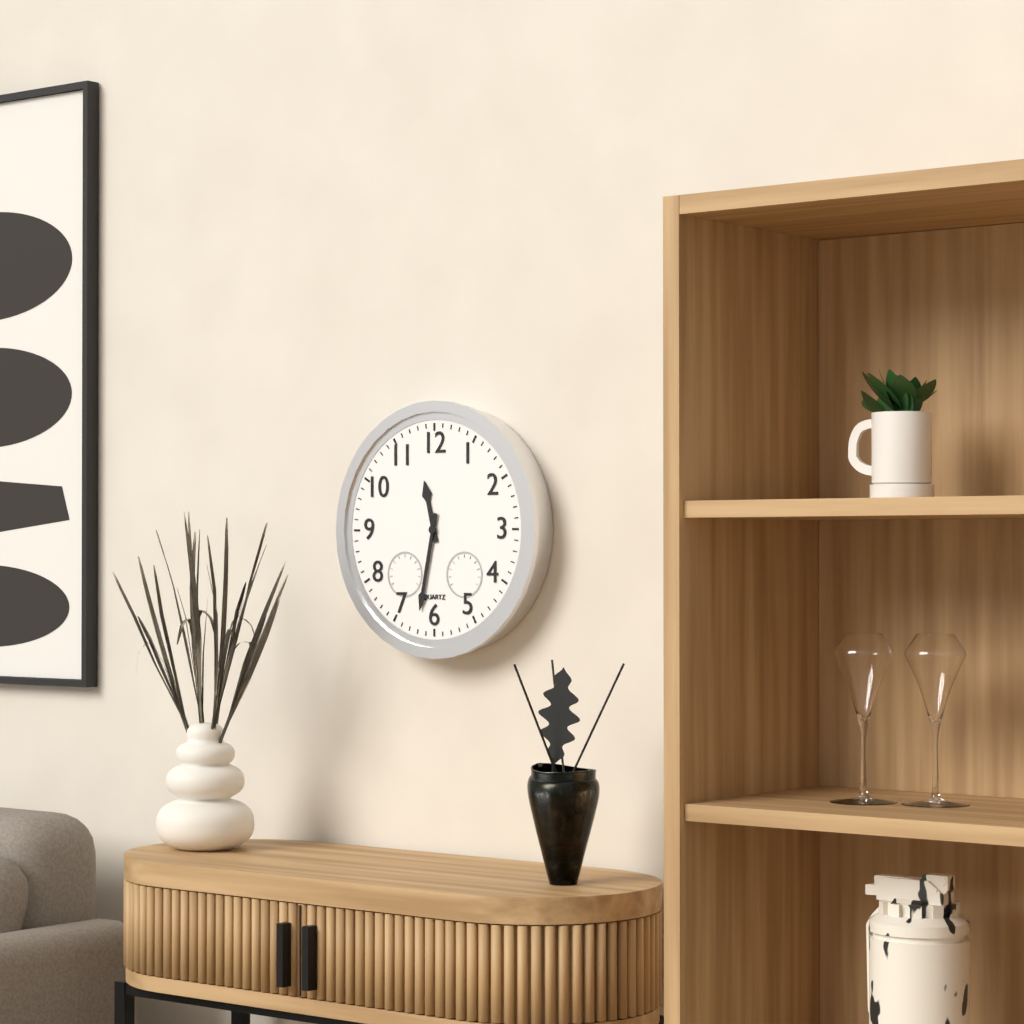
**11:32**
